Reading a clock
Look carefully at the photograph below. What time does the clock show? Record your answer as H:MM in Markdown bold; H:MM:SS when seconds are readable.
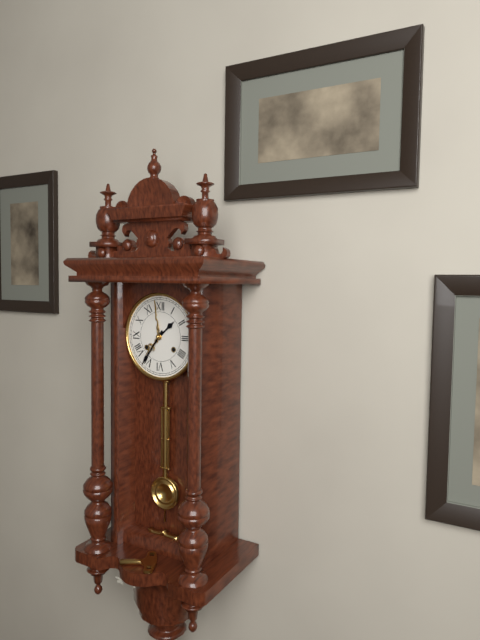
**1:36**
